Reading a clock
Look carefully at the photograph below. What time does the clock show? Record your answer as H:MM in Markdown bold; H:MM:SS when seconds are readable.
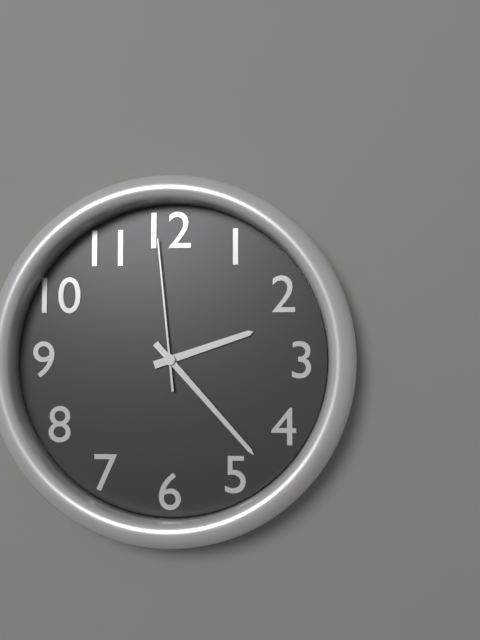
**2:23:59**
